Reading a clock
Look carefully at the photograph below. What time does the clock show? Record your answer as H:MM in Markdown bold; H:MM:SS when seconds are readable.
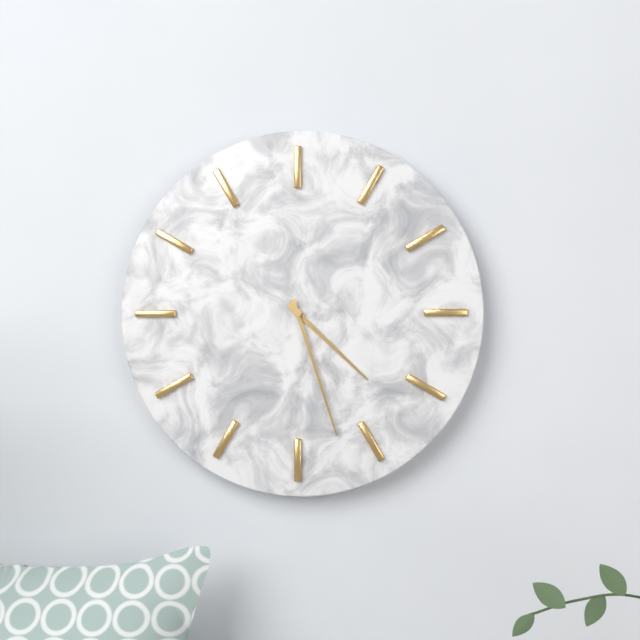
**4:27**
